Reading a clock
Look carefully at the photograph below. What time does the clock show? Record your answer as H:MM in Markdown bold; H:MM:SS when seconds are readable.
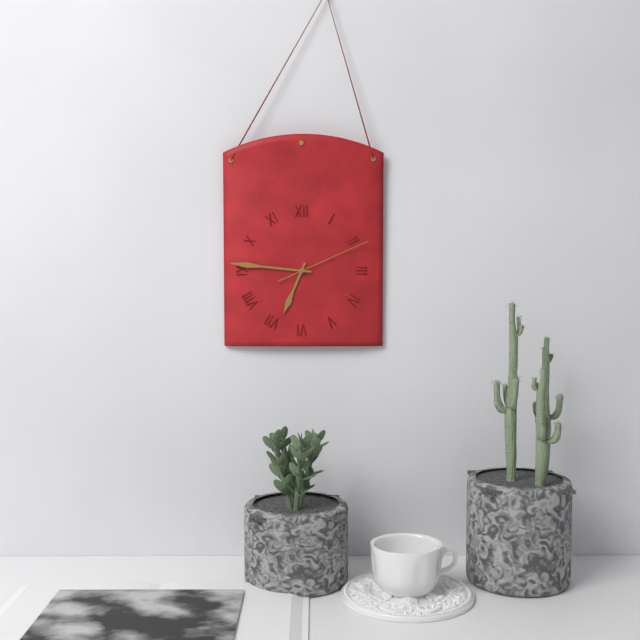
**6:46:11**
